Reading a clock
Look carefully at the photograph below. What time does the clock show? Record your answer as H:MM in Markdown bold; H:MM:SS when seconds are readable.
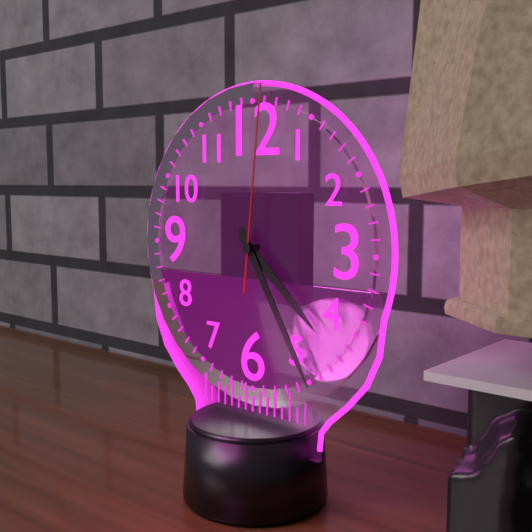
**4:25:01**
